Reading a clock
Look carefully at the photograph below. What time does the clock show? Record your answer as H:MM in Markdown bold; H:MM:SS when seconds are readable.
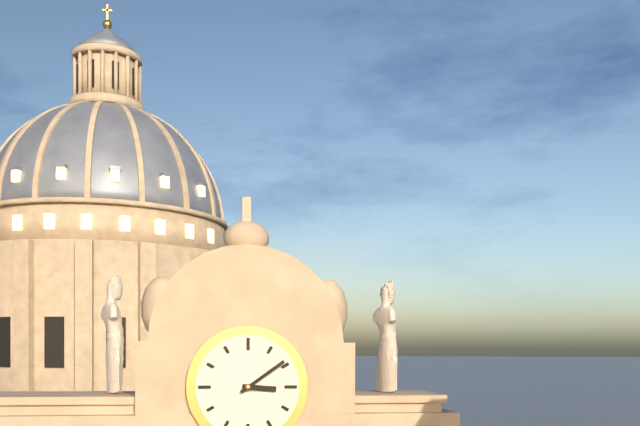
**3:09**
